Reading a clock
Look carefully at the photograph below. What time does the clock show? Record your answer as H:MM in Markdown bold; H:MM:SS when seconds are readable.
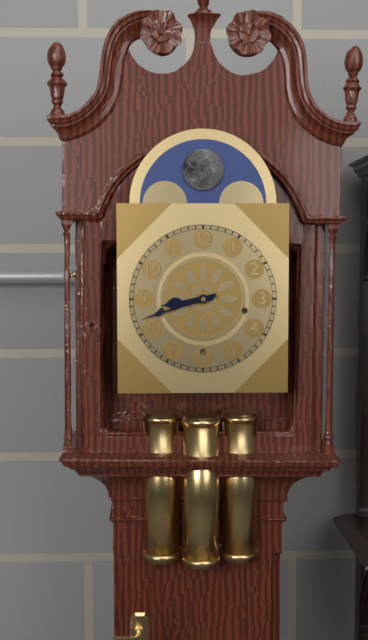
**8:42**
